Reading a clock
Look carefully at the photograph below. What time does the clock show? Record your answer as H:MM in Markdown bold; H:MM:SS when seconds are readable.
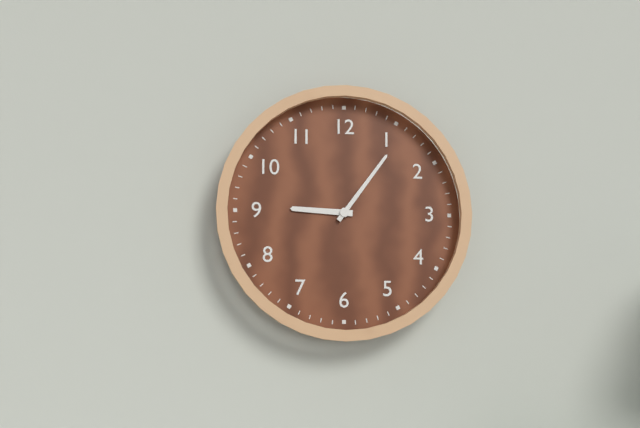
**9:06**
